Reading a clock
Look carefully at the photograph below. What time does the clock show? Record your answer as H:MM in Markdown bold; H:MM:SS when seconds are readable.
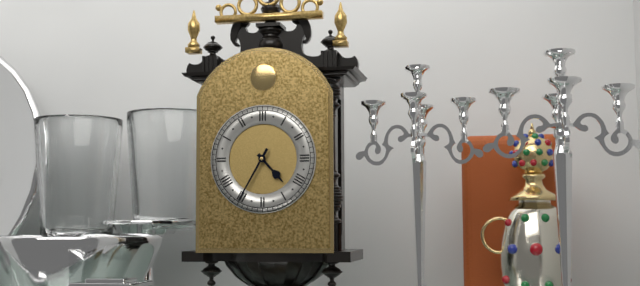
**4:35**
